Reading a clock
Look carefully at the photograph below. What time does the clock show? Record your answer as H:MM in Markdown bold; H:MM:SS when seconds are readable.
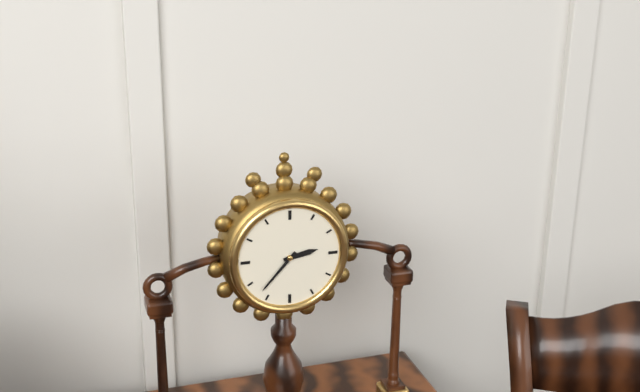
**2:37**
